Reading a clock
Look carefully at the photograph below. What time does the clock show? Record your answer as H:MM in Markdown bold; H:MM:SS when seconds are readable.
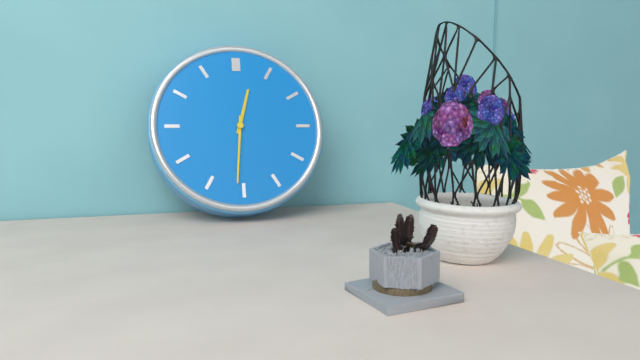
**12:31**
